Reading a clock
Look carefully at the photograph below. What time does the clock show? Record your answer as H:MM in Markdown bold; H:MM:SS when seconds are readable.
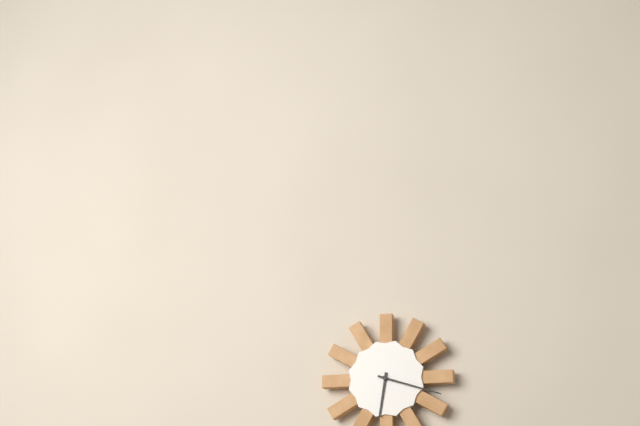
**6:18**
